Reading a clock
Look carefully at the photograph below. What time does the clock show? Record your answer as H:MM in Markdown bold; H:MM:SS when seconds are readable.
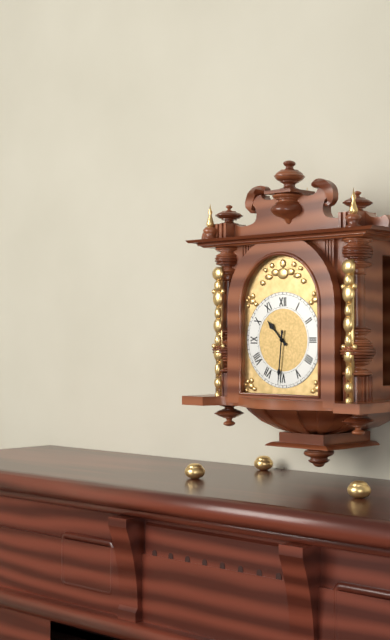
**10:31**
